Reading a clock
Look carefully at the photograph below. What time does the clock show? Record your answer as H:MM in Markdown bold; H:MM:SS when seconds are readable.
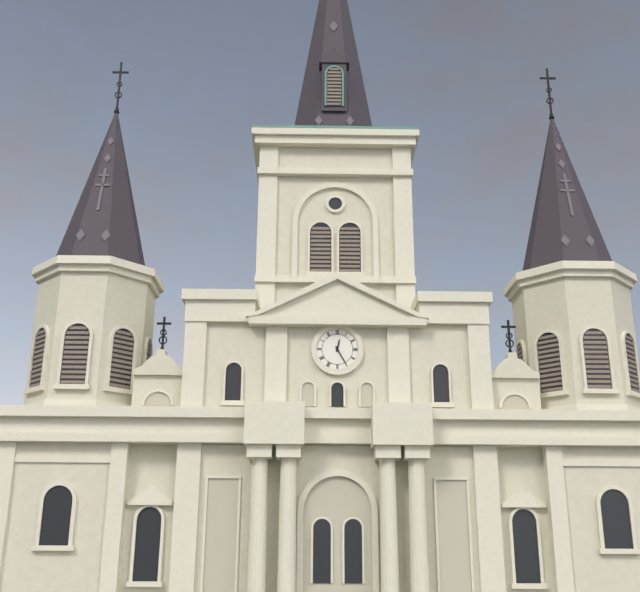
**12:25**
